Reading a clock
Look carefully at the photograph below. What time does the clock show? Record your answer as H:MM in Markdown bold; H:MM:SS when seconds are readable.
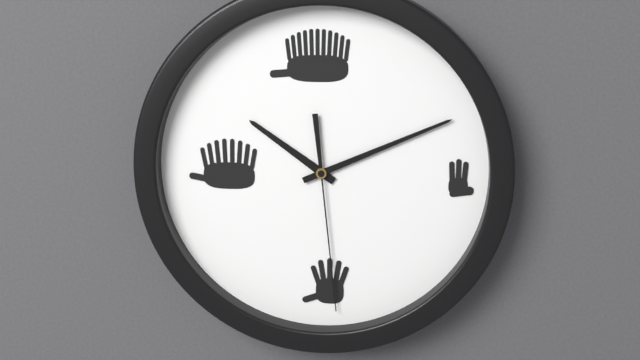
**10:11:29**
